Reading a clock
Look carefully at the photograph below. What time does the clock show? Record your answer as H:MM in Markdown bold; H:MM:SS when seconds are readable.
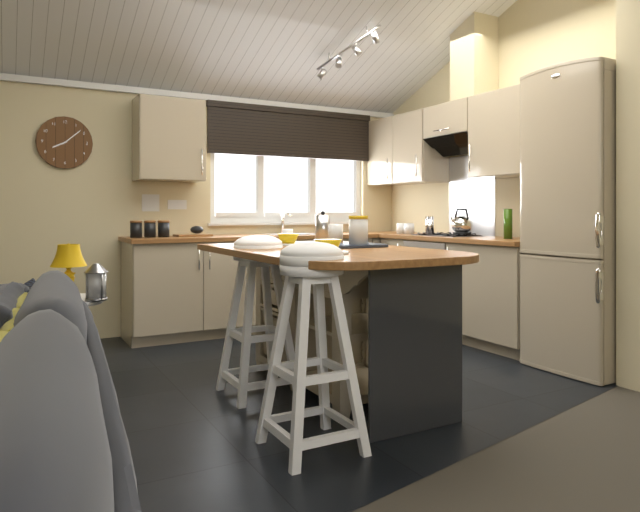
**8:08**
